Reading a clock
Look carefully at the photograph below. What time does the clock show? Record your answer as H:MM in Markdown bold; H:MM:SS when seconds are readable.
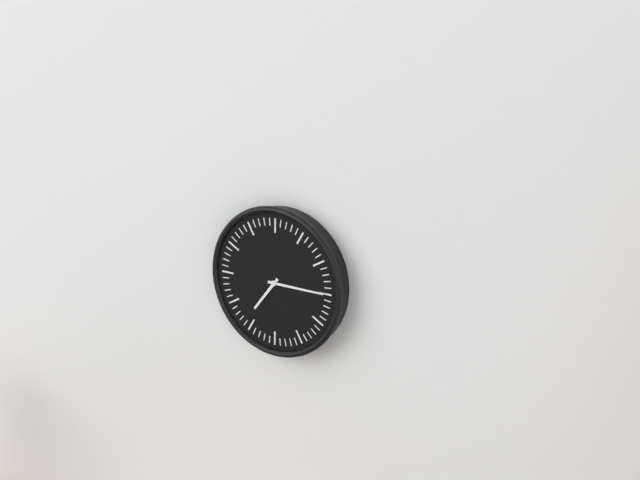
**7:15**
